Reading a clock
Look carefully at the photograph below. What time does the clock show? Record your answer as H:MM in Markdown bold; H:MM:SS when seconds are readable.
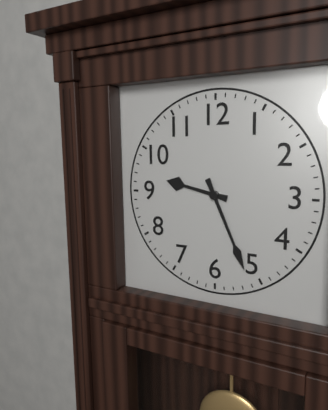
**9:26**
